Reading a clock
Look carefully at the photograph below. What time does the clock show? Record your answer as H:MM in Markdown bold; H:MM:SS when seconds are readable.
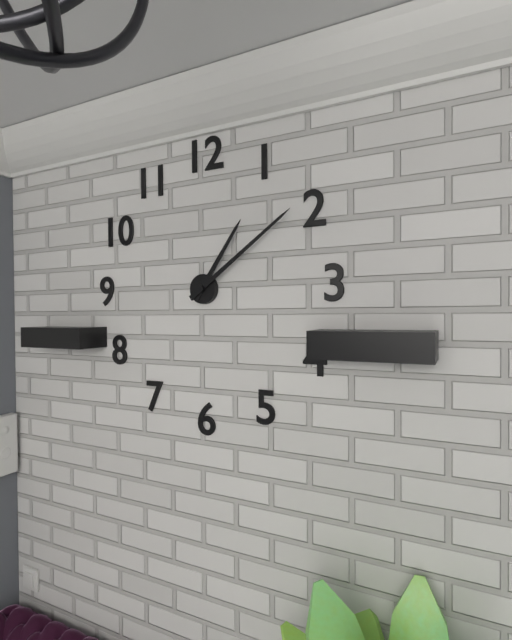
**1:09**
